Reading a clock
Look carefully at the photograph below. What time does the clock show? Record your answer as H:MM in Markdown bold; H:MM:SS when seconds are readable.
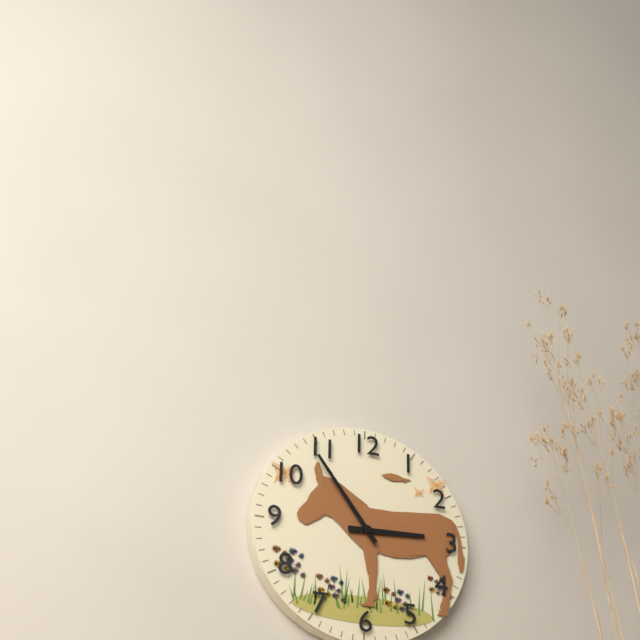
**2:54**
